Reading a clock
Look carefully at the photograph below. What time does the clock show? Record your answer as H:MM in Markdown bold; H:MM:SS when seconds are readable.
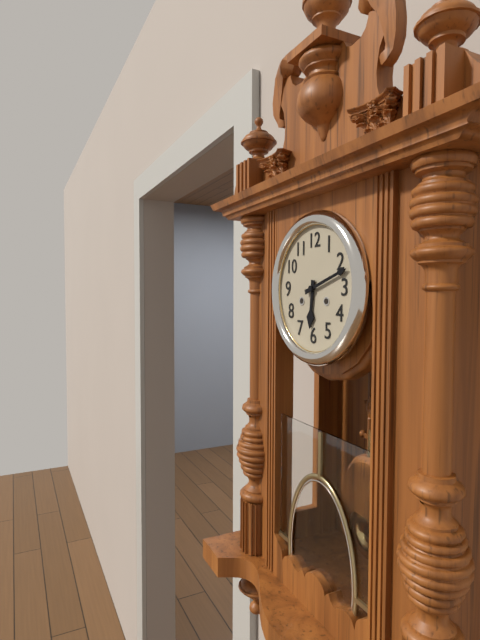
**6:12**
